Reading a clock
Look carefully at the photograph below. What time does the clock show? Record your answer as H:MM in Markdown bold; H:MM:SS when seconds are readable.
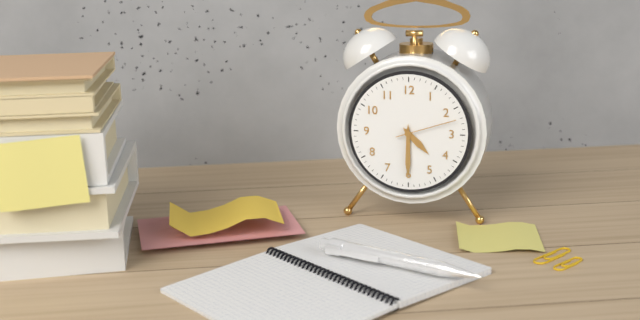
**4:30:12**
